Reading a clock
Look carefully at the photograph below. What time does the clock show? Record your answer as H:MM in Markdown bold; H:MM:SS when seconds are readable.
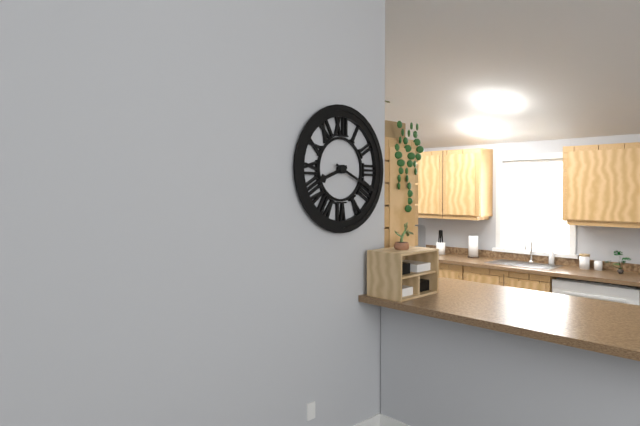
**8:19**
